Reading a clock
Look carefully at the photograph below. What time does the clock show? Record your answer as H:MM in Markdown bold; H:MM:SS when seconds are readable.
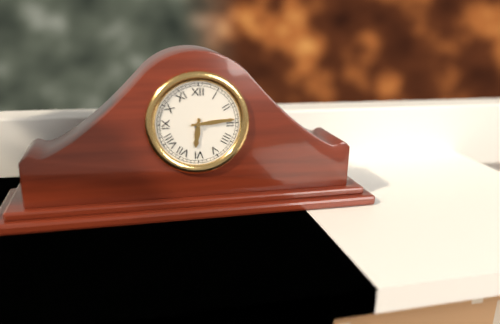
**6:14**
